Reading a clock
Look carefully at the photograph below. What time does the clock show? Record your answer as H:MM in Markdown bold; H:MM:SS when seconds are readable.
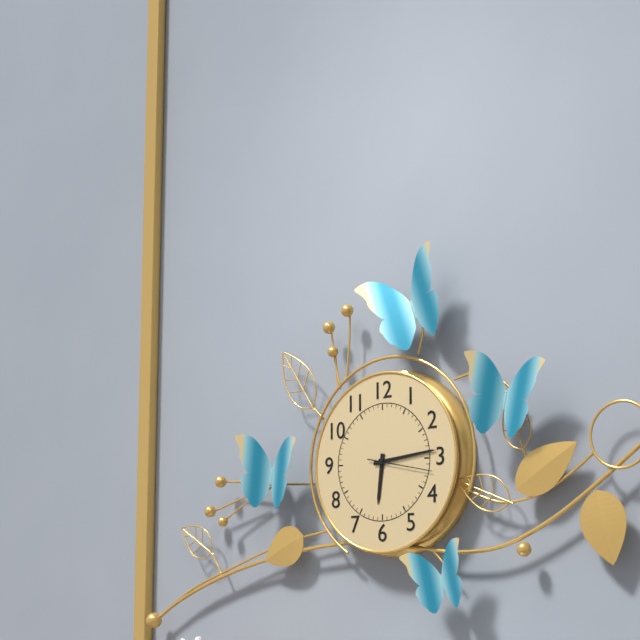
**6:14:17**
